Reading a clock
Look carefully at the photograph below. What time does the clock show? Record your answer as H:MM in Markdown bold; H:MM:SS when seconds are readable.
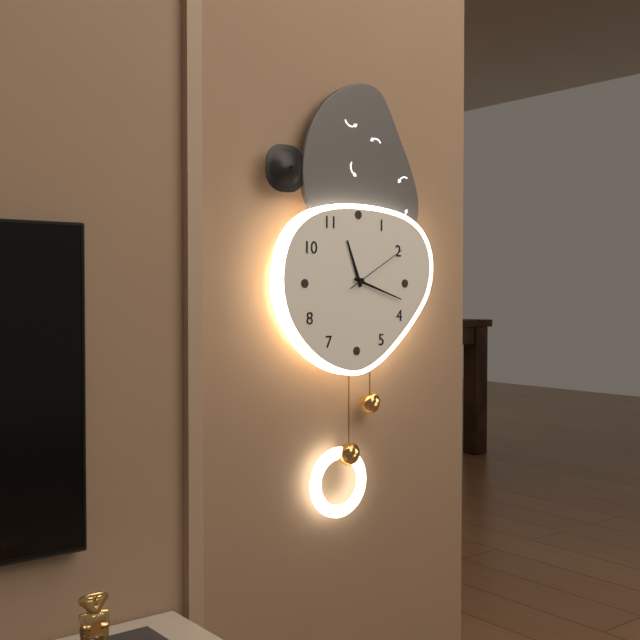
**11:18:10**
